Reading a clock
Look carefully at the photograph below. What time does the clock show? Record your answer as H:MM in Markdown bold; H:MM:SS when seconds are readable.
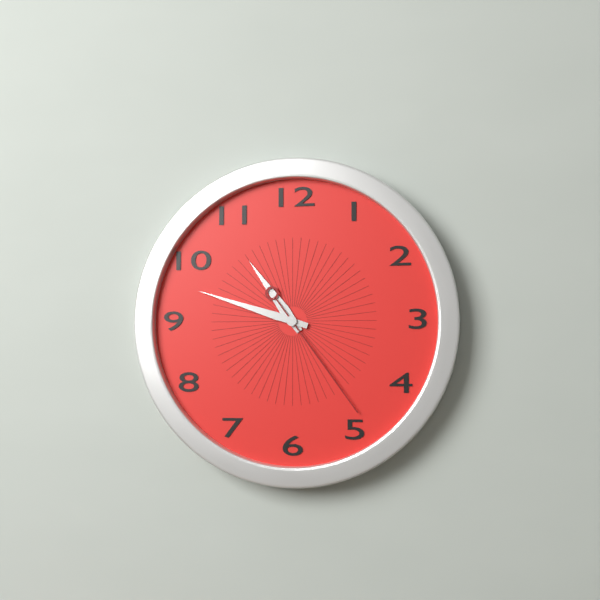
**10:48:24**
